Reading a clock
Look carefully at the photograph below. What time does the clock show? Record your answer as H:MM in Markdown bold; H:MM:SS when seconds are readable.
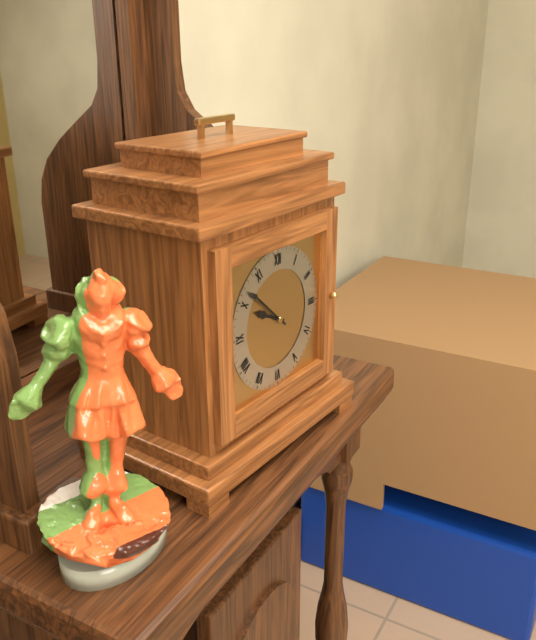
**9:52**
